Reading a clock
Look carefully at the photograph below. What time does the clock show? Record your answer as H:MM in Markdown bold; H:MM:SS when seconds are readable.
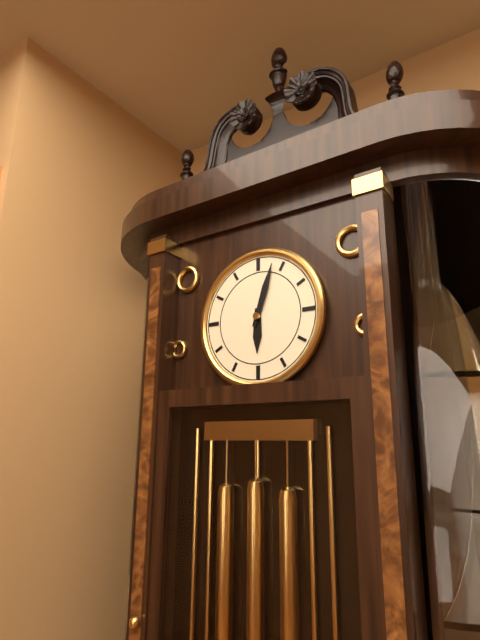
**6:03**
